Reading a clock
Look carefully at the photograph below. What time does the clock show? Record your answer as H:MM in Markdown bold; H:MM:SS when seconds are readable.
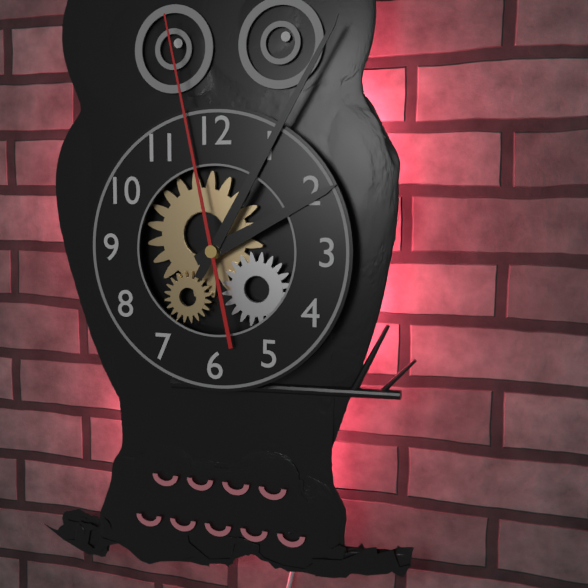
**2:05:58**
